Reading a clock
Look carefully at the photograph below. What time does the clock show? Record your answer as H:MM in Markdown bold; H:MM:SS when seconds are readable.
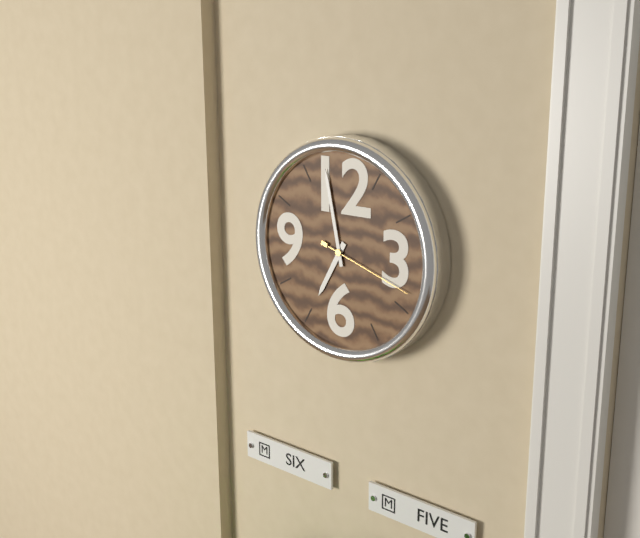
**6:58:18**
